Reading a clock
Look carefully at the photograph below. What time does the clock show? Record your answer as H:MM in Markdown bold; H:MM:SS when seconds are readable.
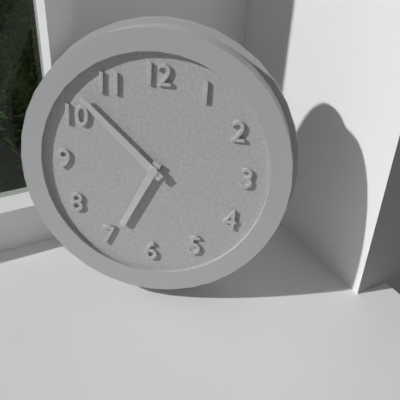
**6:52**
